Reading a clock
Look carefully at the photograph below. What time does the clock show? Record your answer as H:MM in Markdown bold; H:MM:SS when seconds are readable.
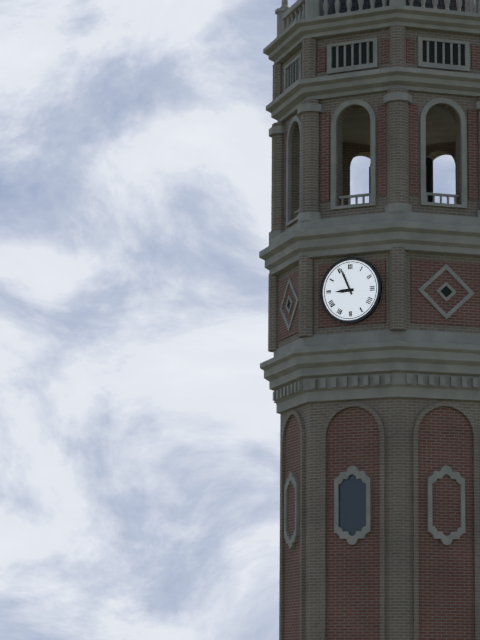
**8:56**
